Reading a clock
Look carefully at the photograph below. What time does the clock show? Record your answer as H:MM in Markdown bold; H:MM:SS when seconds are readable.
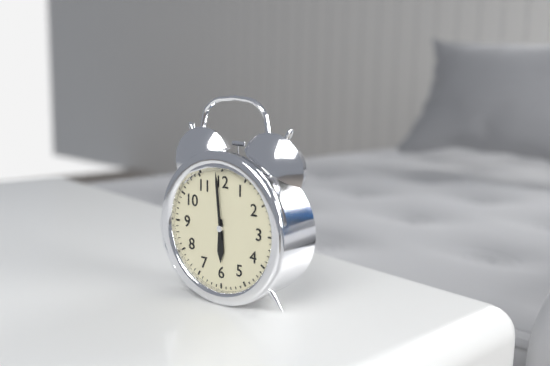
**5:59**
